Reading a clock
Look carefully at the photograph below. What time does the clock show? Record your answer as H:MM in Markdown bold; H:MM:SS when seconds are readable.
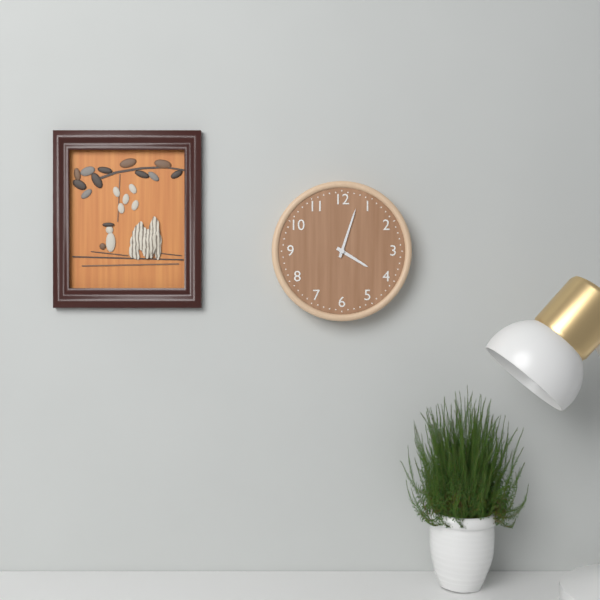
**4:03**
